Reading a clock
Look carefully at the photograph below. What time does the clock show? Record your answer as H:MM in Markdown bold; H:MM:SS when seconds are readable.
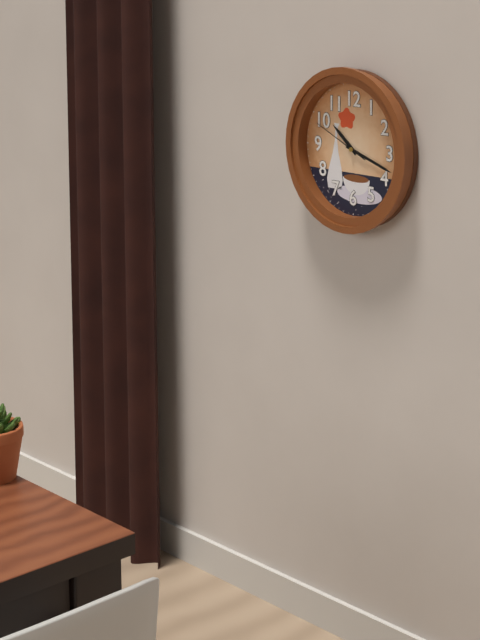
**10:18:49**
